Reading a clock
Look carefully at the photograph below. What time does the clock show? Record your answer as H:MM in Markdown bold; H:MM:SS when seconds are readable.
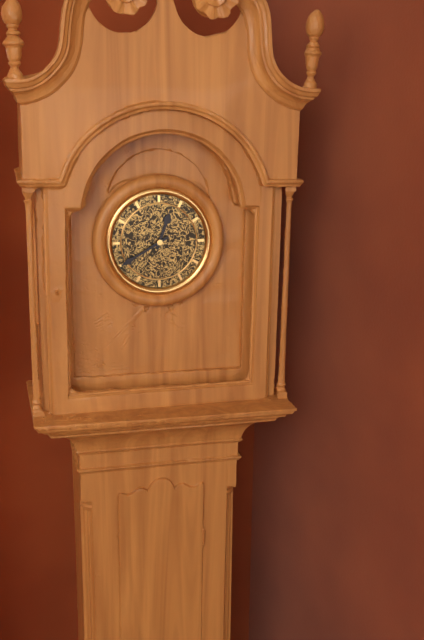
**12:40**
